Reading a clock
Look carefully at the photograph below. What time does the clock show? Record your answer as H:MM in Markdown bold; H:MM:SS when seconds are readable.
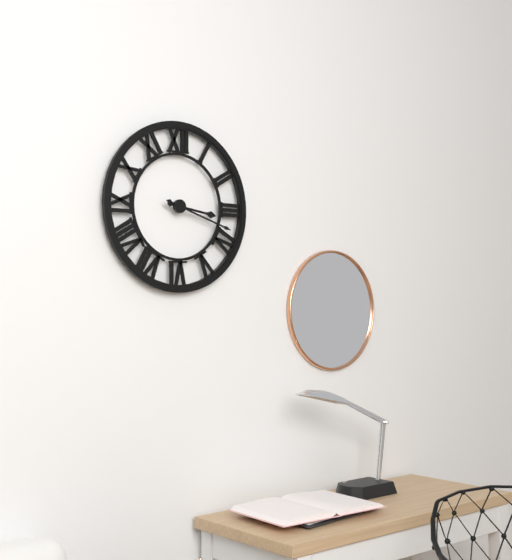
**3:18**
